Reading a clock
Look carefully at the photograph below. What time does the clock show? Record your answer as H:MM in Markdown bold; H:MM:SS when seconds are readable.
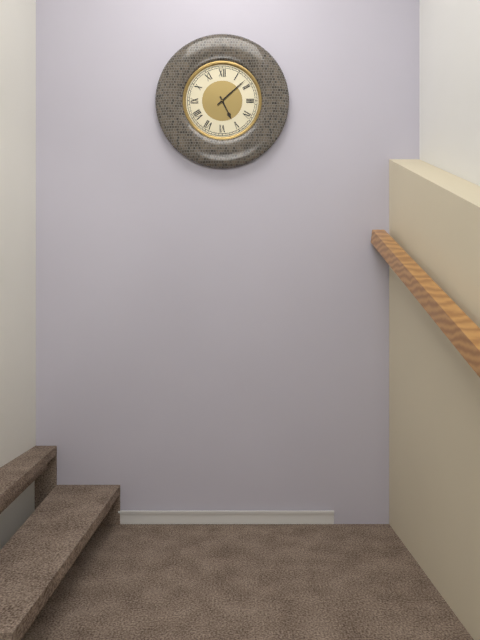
**5:08**
